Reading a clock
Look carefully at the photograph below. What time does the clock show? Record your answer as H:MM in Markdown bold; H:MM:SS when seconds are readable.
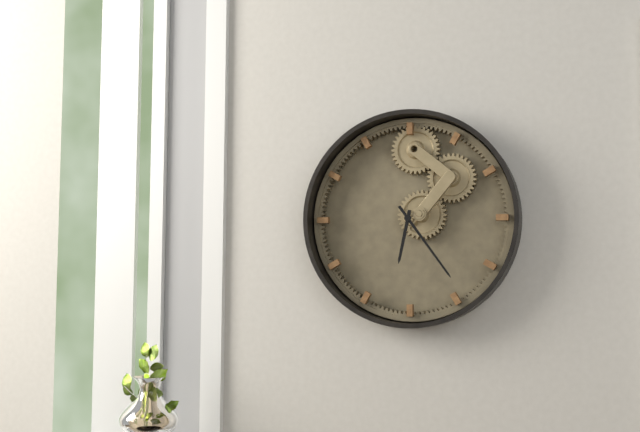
**6:24**
